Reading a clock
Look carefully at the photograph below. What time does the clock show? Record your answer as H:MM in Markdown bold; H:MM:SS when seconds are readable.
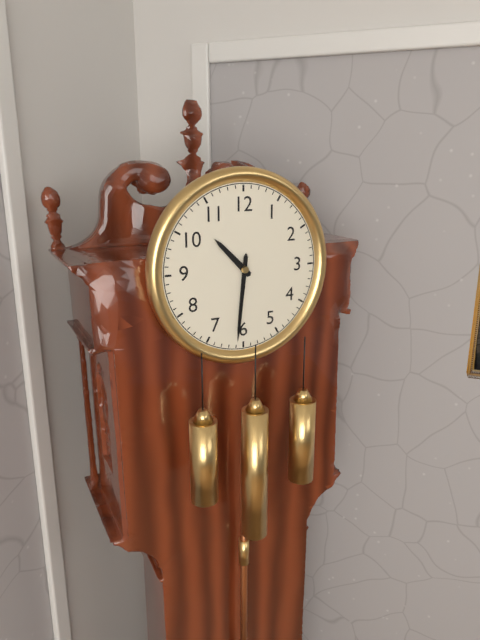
**10:31**
